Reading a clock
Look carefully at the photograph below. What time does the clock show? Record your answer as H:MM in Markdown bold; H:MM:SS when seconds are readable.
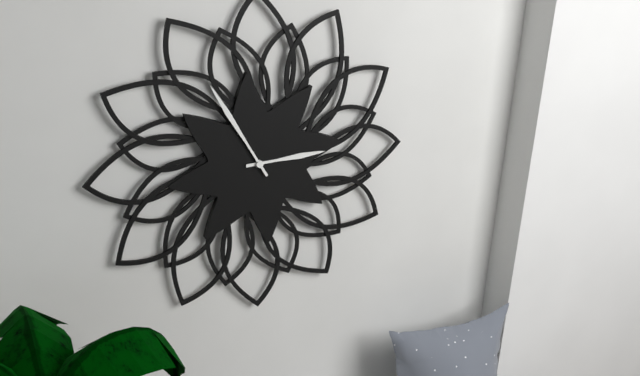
**2:55**
